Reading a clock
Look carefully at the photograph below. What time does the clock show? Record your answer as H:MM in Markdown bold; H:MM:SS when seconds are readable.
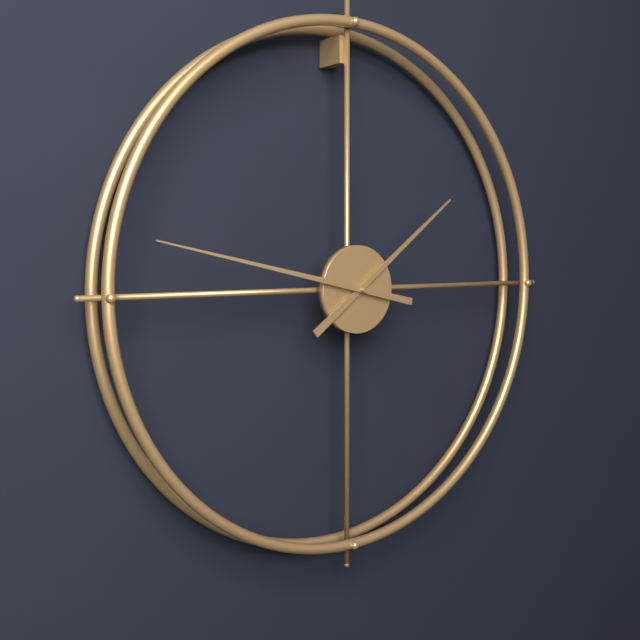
**1:47**
